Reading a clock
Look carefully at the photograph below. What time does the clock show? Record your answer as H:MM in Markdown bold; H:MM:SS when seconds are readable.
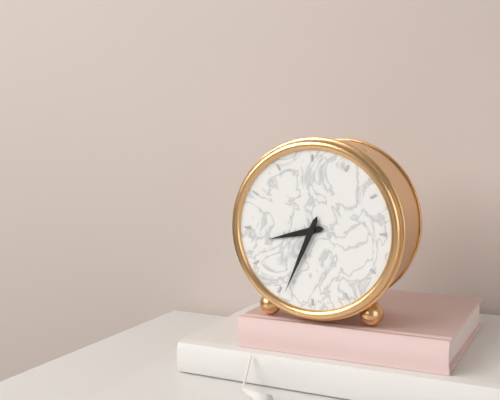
**8:34**
